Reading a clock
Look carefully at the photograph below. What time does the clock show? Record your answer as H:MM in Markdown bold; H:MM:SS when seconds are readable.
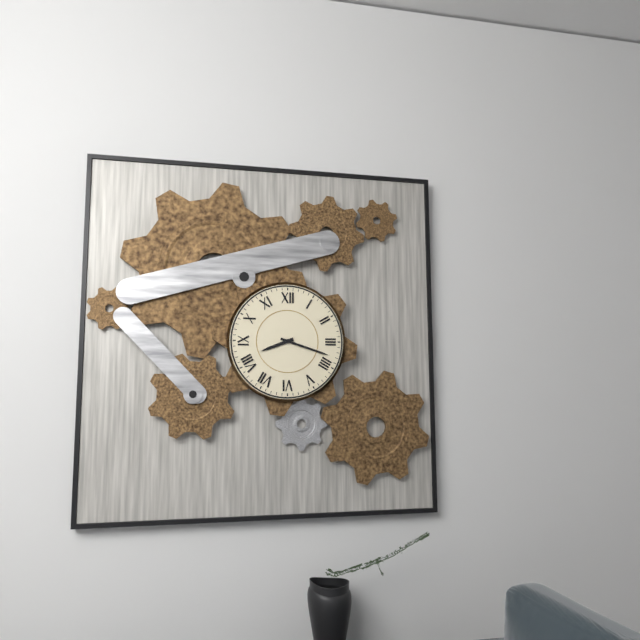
**8:18**
